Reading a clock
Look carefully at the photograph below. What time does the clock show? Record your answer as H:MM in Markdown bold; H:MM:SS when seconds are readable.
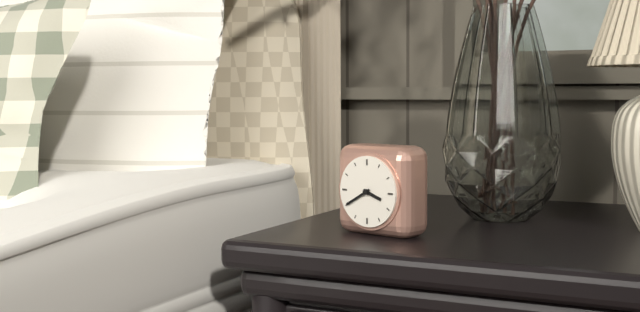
**3:40**
